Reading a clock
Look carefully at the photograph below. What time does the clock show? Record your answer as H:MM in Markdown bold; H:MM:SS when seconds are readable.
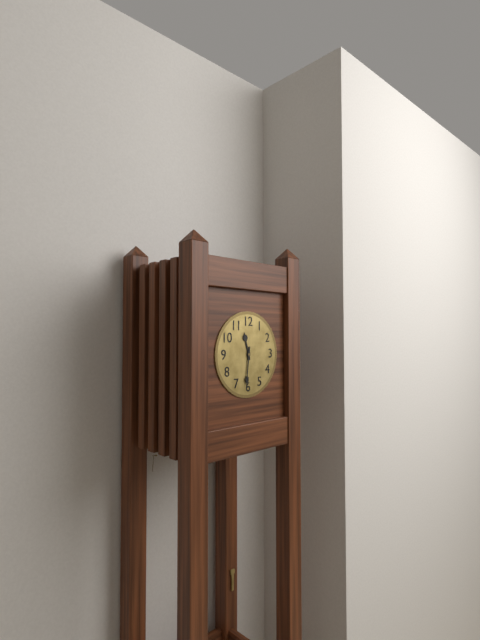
**11:31**
